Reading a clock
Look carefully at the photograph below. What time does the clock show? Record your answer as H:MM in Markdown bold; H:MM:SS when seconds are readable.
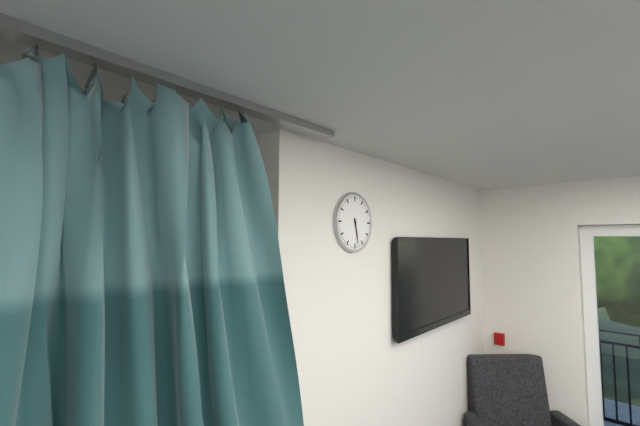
**5:28**
